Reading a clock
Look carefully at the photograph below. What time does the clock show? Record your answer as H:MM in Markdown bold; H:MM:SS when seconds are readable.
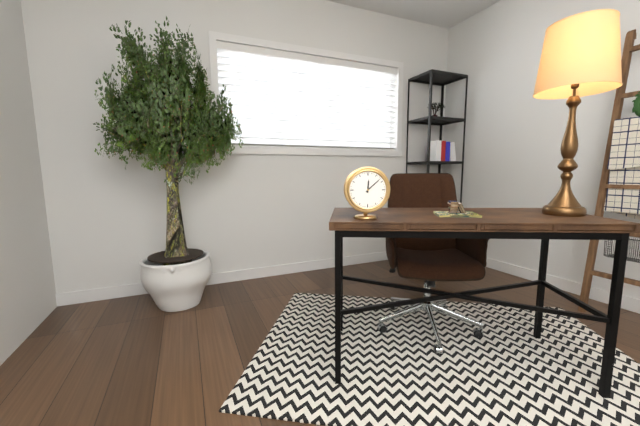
**12:08**
